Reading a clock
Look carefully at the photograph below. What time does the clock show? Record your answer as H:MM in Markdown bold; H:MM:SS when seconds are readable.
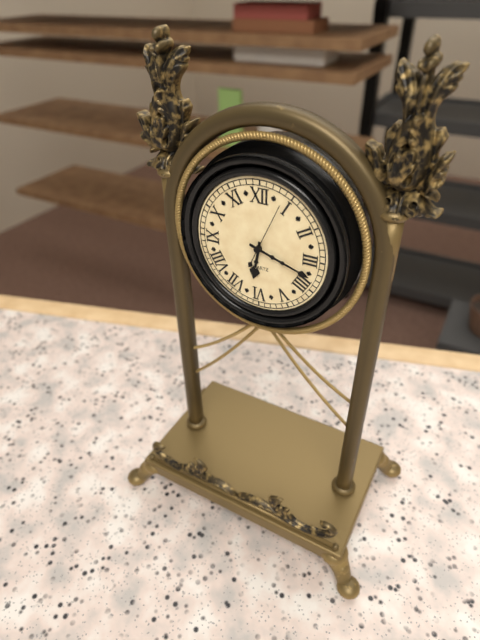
**6:18:04**
